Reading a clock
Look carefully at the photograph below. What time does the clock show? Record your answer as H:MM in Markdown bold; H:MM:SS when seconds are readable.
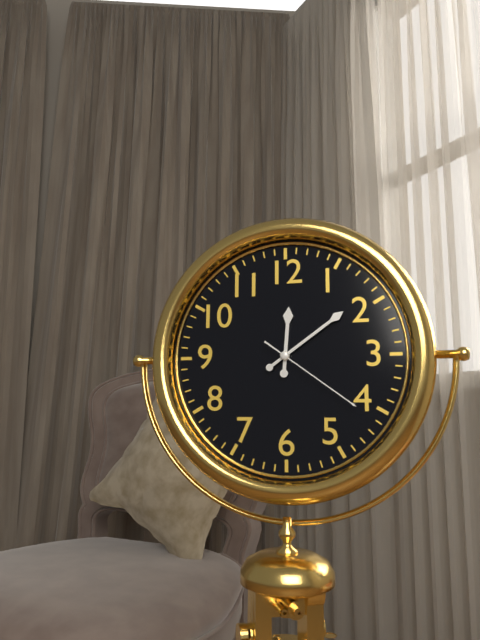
**12:09:21**
